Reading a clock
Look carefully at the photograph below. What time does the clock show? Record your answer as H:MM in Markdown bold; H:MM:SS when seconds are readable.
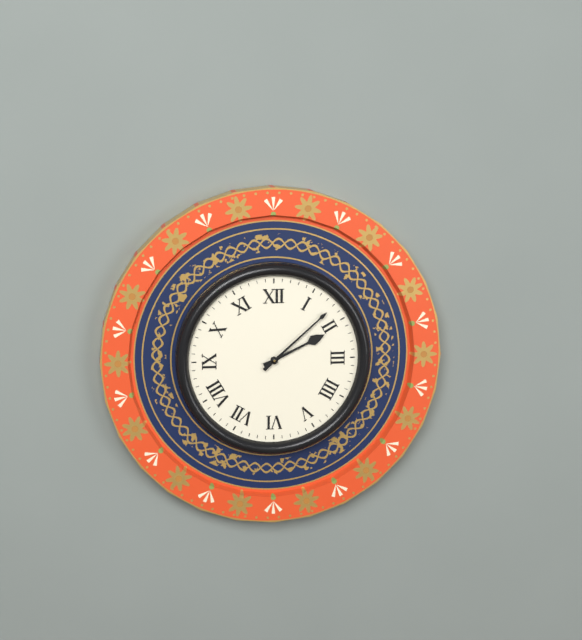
**2:08**
